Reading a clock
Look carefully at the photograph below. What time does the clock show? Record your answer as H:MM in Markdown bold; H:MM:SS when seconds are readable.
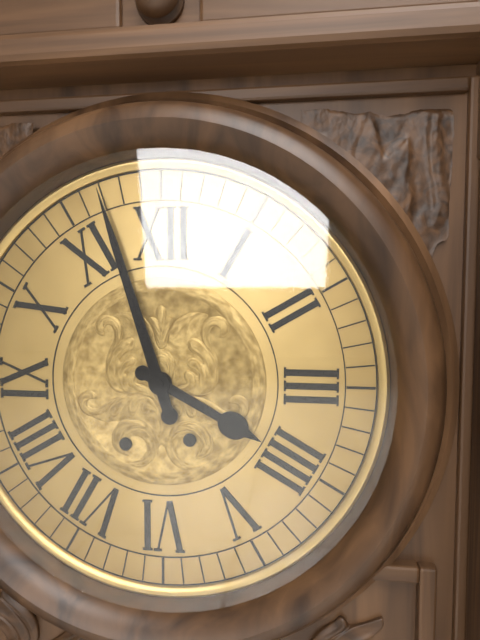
**3:57**
